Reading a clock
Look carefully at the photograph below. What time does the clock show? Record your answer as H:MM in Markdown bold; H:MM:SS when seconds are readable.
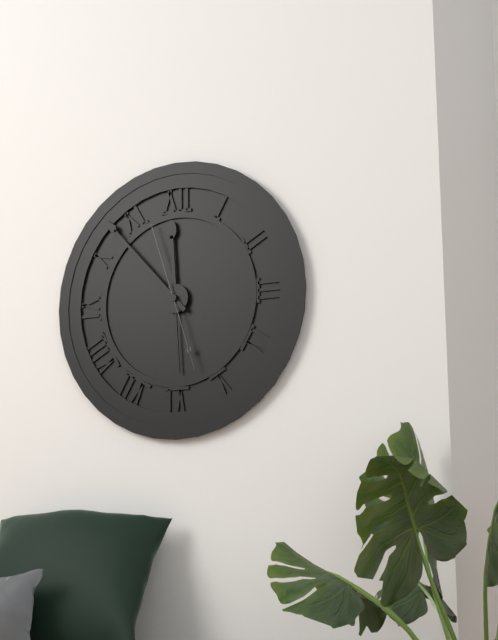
**11:53:57**
